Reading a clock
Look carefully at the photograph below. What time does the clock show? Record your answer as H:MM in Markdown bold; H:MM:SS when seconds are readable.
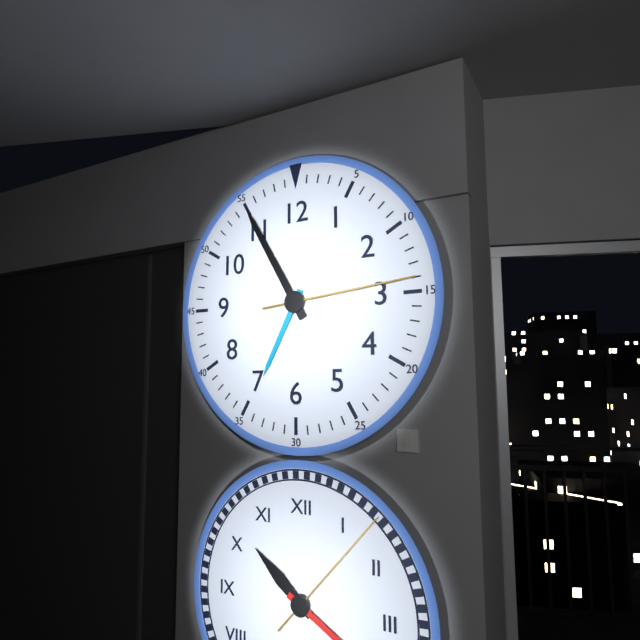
**6:55:14**
